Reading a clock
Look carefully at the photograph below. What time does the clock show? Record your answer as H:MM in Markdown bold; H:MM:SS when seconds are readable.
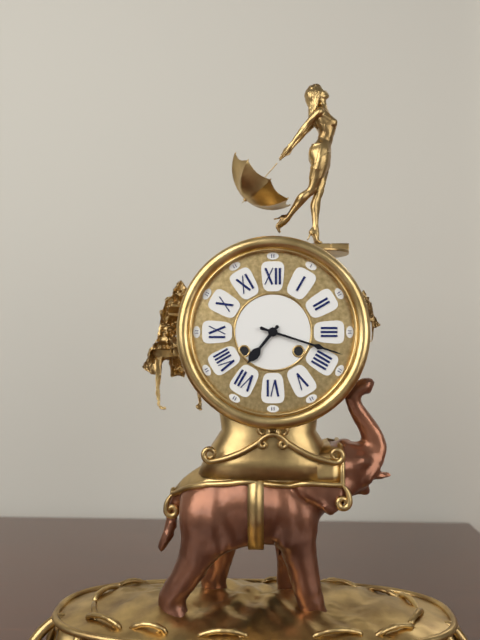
**7:18**
